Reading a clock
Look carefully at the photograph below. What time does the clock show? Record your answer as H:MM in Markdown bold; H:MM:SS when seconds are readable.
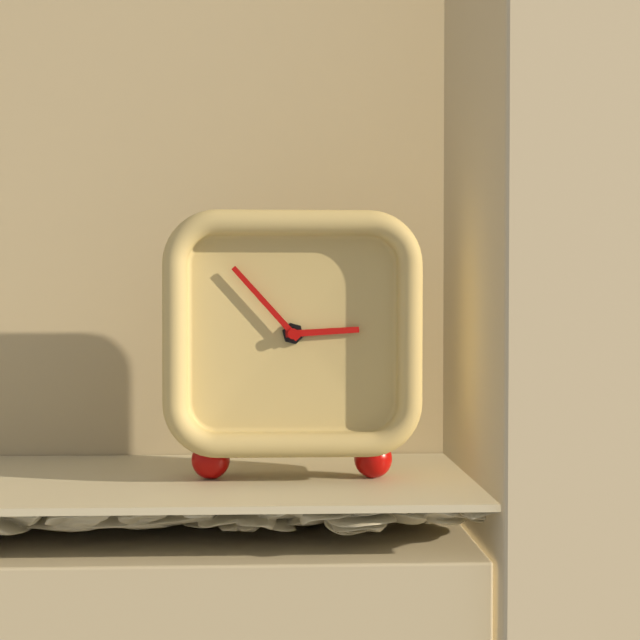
**2:53**
